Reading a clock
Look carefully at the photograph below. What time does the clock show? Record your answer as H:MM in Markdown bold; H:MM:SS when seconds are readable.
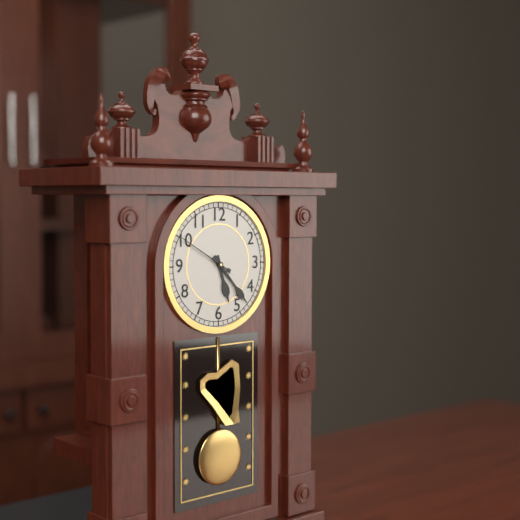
**5:23:50**
